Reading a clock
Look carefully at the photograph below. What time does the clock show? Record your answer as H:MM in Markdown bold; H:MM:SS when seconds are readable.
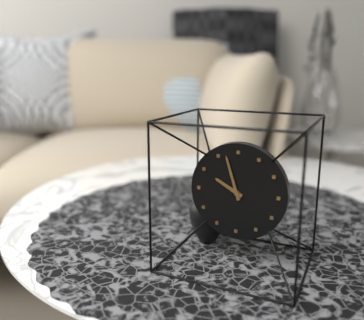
**9:57**
